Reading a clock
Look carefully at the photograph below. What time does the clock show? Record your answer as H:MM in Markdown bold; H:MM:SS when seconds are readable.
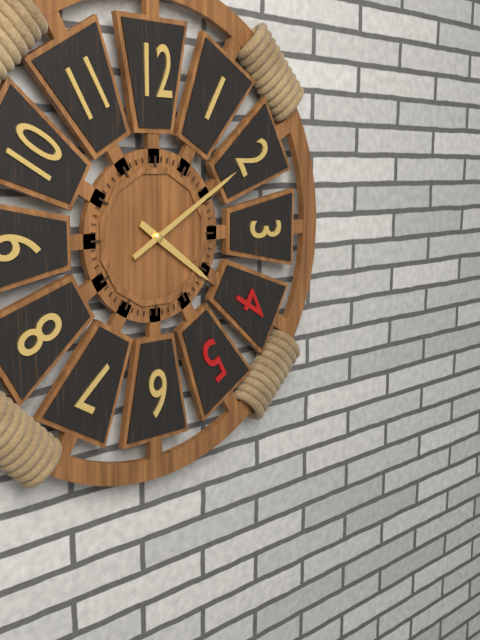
**4:10**
